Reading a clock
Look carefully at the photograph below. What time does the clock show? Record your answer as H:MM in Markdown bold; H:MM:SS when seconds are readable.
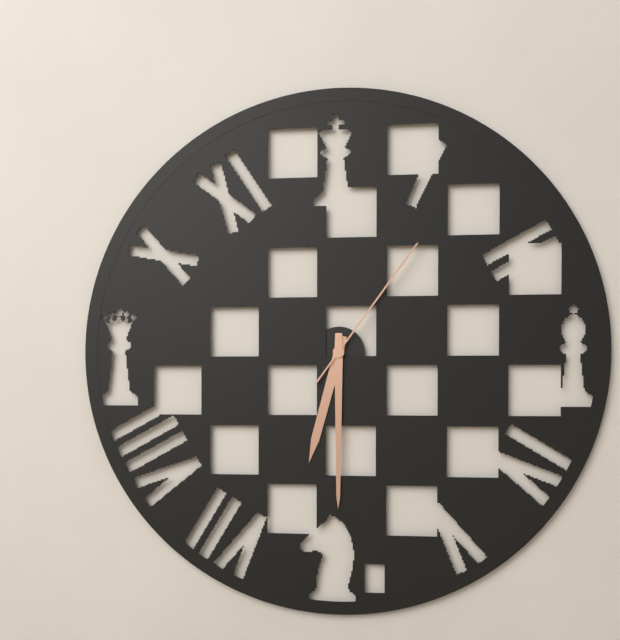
**6:30:06**
